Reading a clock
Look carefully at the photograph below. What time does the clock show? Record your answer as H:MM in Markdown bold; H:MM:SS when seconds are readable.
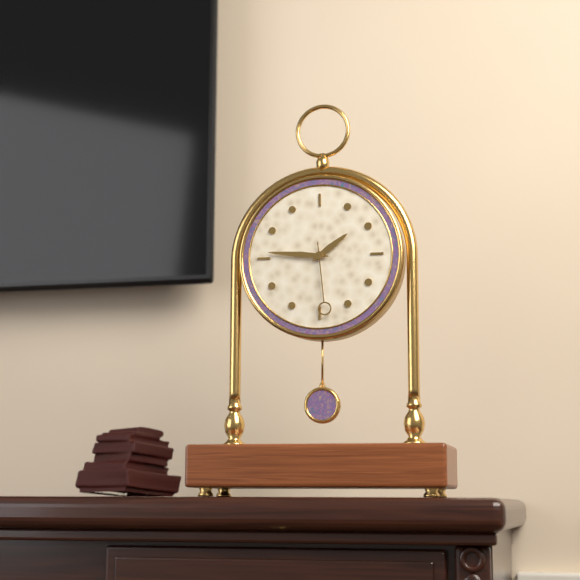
**1:46:29**
